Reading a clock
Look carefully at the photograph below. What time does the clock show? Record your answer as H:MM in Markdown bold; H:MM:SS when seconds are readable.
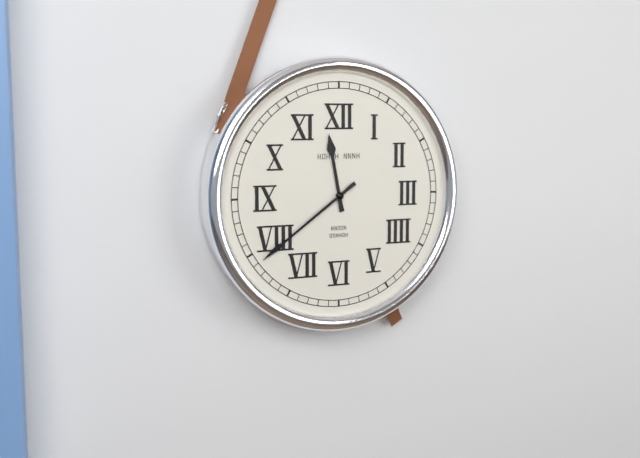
**11:39**
